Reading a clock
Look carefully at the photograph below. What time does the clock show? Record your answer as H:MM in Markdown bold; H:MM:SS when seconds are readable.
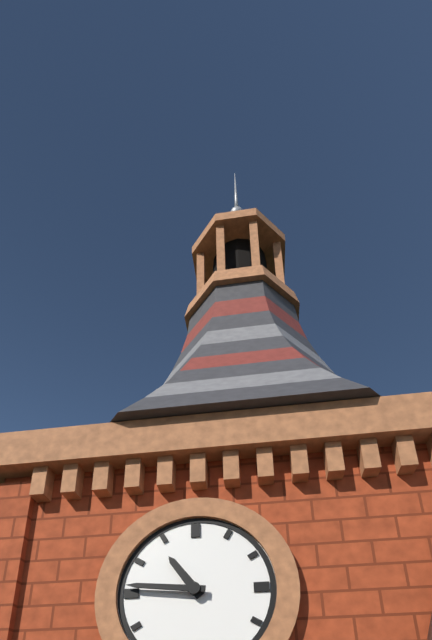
**10:46**
